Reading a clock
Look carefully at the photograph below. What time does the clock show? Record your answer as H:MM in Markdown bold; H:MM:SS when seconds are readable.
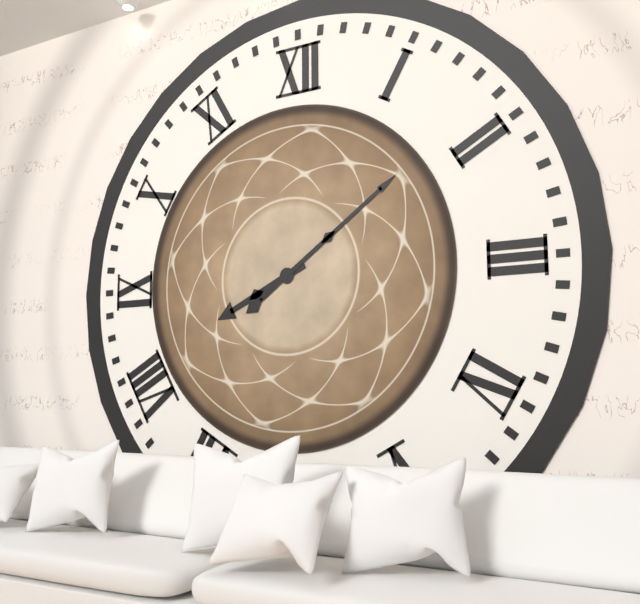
**8:09**
